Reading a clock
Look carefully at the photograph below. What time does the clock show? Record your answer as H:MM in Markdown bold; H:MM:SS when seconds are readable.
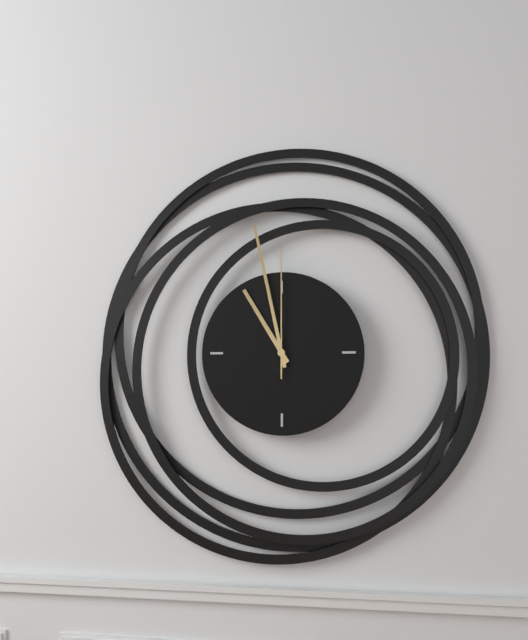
**10:58:00**
